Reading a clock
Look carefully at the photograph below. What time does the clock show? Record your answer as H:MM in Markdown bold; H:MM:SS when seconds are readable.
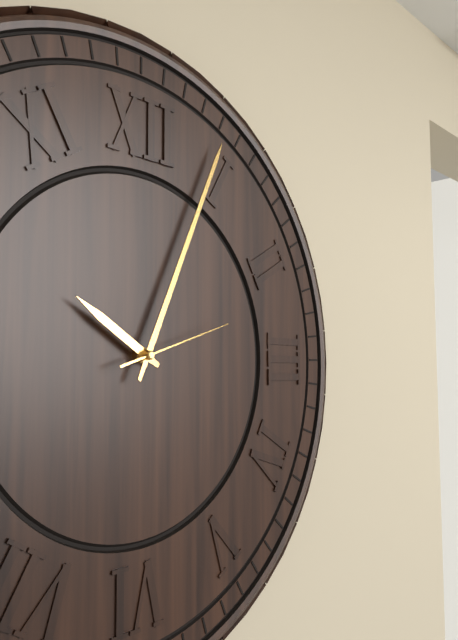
**10:04:12**
